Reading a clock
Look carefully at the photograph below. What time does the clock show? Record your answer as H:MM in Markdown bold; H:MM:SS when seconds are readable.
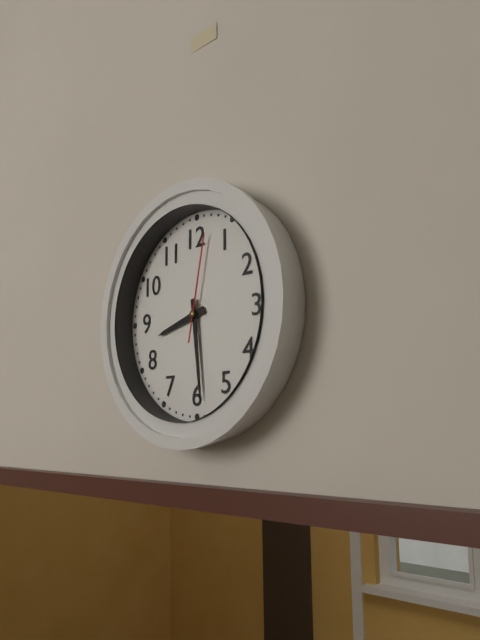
**8:29:02**
